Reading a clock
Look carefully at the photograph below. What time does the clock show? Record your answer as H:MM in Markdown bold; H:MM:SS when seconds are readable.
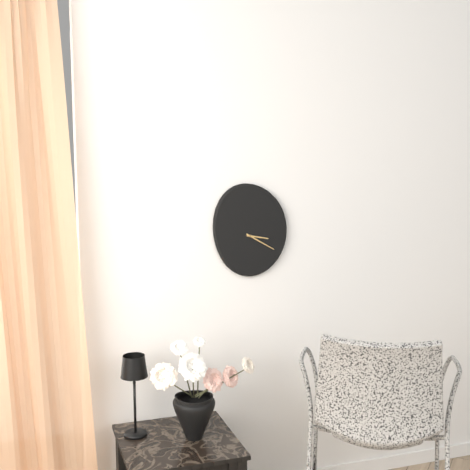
**3:20**
